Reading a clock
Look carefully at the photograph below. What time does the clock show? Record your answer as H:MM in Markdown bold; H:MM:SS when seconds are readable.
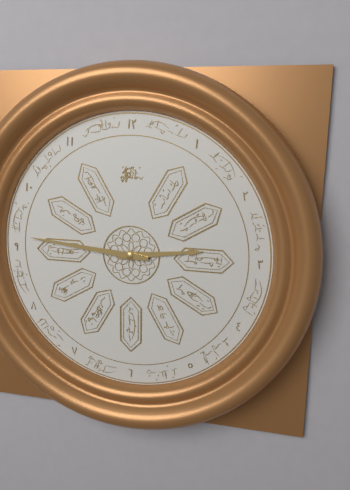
**2:46**
